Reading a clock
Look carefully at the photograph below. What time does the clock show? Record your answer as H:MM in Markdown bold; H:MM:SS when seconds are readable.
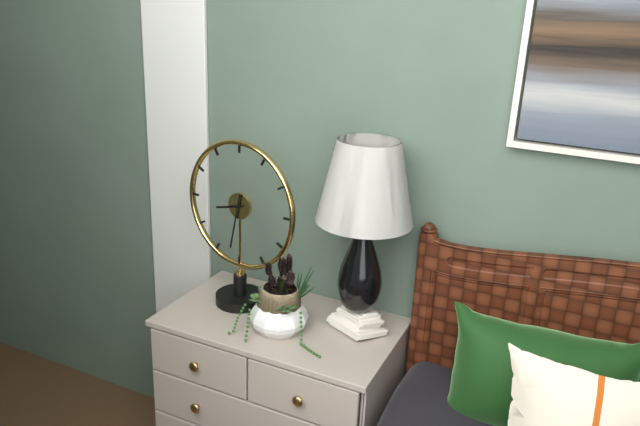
**8:32**
